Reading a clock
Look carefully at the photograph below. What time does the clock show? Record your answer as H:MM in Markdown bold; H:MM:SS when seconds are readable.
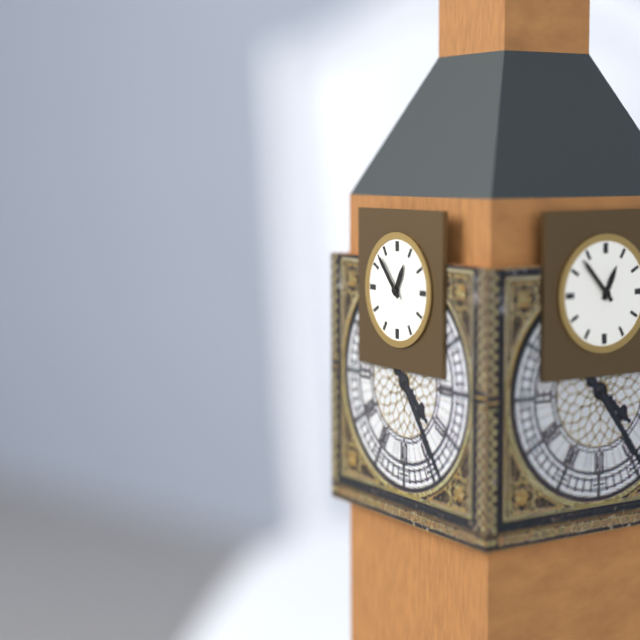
**12:53**
